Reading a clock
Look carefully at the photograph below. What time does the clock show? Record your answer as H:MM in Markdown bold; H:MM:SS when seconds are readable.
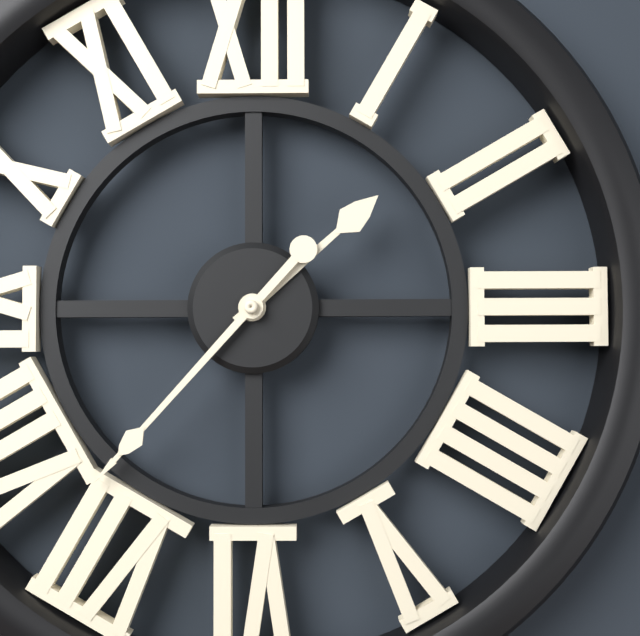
**1:37**
